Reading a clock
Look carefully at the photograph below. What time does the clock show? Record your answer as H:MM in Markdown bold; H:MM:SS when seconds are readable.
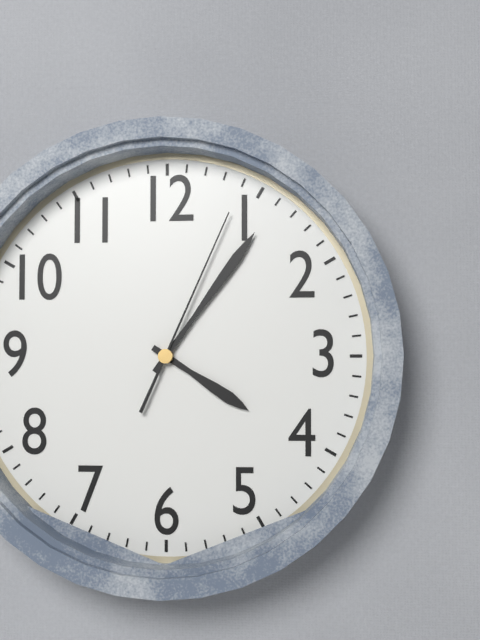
**4:06:04**
